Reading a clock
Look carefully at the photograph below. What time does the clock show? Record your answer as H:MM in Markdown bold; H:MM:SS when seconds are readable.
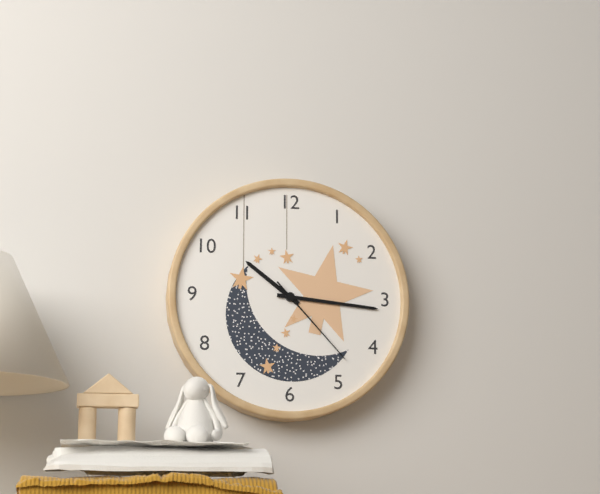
**10:16:23**
